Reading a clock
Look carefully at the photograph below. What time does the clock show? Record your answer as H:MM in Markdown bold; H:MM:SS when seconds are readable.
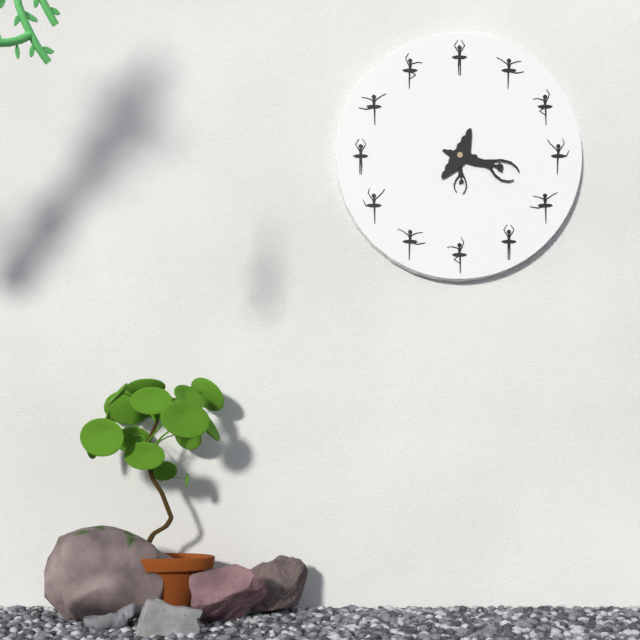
**6:20**
